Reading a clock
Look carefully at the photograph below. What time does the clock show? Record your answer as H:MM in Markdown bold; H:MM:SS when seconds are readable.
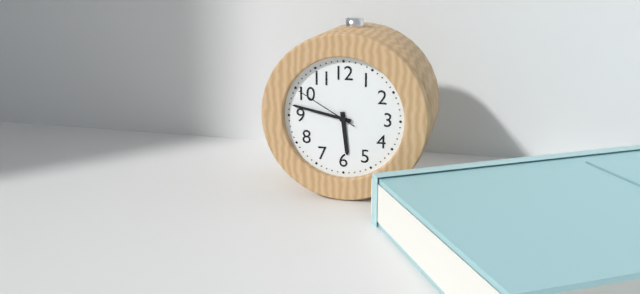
**5:47:50**
